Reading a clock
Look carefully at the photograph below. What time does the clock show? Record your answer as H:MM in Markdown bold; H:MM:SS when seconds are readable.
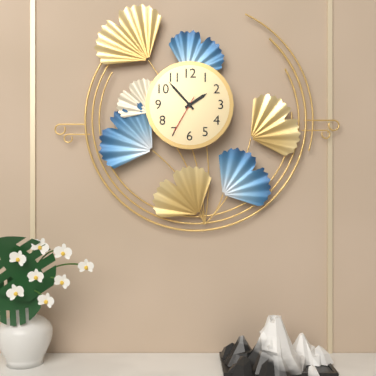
**1:53**
